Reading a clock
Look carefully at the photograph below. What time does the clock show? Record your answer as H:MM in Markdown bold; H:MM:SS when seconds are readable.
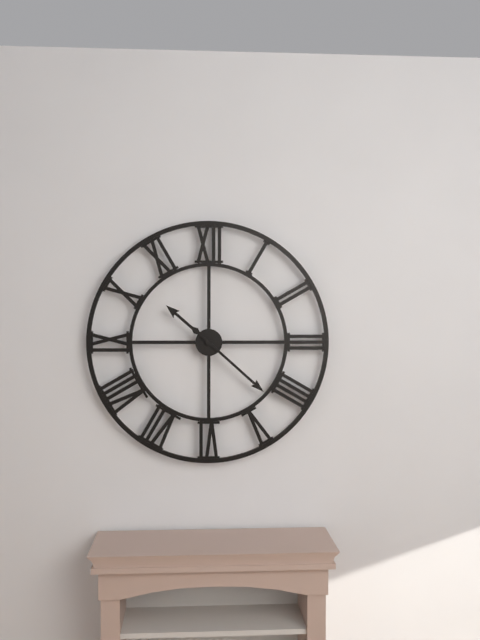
**10:22**
